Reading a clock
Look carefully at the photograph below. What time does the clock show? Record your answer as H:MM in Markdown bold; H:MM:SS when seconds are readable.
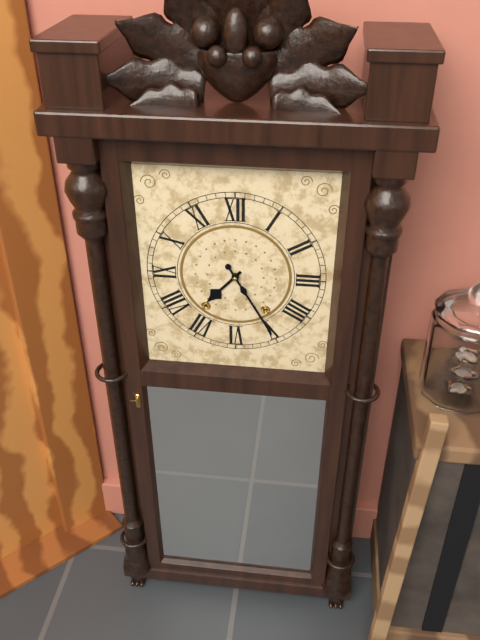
**7:25**
